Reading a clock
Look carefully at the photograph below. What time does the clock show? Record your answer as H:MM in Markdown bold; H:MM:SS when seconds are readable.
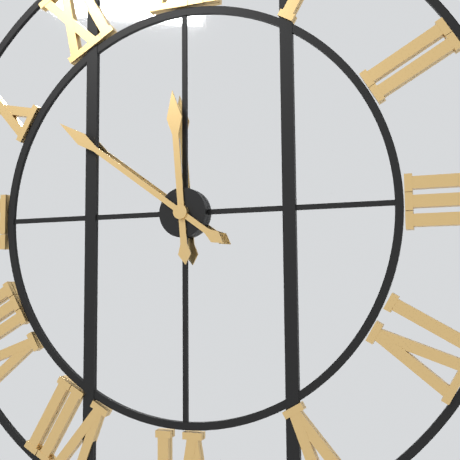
**11:51**
